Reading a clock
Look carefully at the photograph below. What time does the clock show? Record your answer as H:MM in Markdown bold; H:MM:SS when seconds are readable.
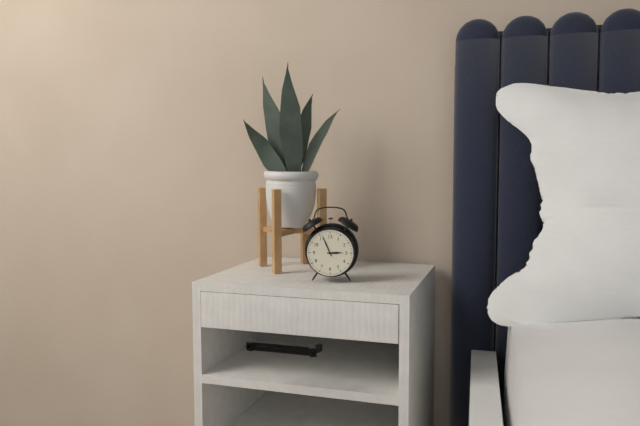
**2:56**
